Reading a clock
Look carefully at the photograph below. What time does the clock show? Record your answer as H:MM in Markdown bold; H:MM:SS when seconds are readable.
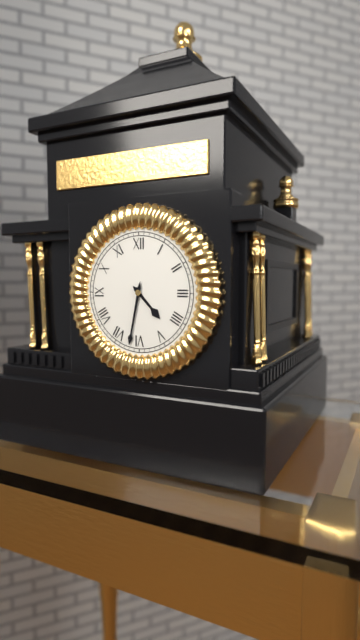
**4:32**
